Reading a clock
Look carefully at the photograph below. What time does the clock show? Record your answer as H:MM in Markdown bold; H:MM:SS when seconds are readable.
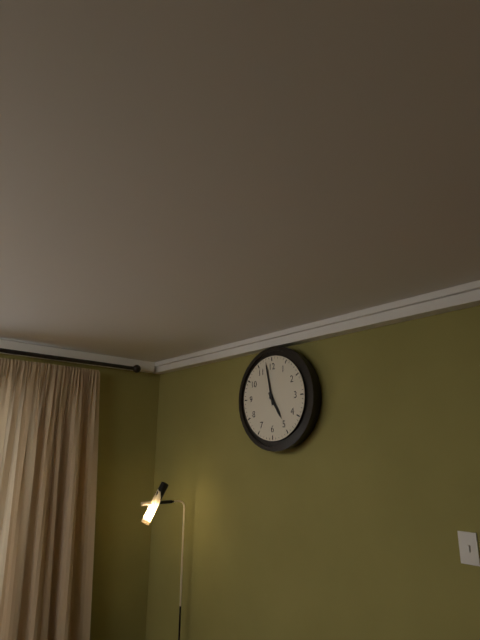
**4:58**
